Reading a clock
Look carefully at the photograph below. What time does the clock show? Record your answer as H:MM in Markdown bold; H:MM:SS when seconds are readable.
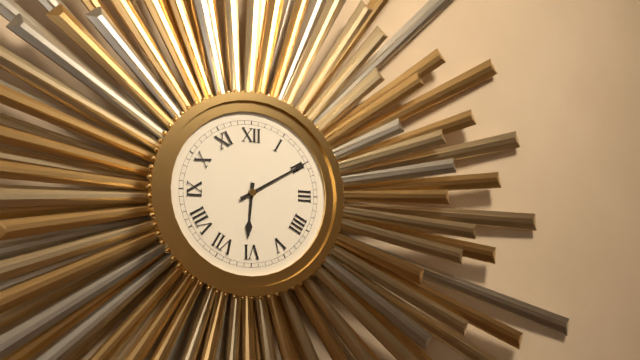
**6:10**
